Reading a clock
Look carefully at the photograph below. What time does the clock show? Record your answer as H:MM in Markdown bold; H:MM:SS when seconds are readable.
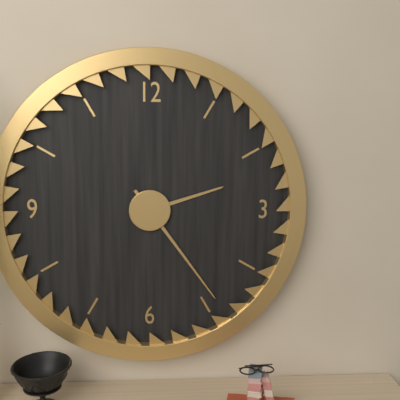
**2:24**
